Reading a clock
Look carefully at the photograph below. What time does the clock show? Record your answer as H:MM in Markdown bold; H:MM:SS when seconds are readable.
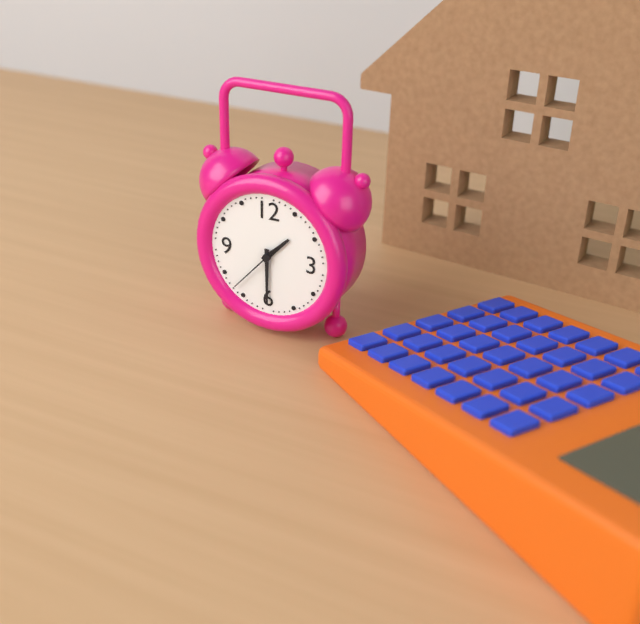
**1:30:37**
